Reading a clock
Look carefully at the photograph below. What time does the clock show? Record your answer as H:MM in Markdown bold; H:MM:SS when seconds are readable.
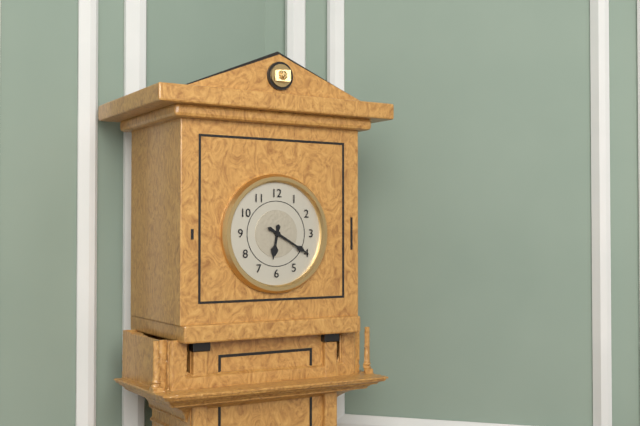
**6:20**
